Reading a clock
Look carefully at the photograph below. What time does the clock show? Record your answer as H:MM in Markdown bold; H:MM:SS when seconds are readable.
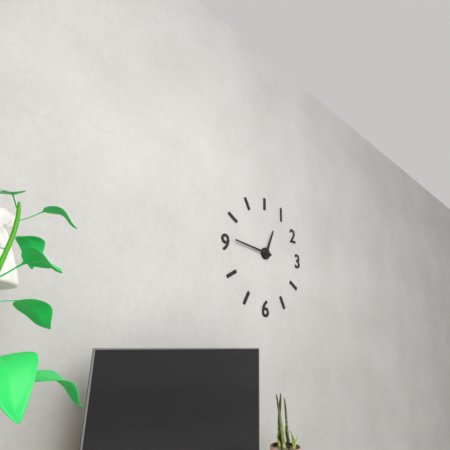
**12:46**
